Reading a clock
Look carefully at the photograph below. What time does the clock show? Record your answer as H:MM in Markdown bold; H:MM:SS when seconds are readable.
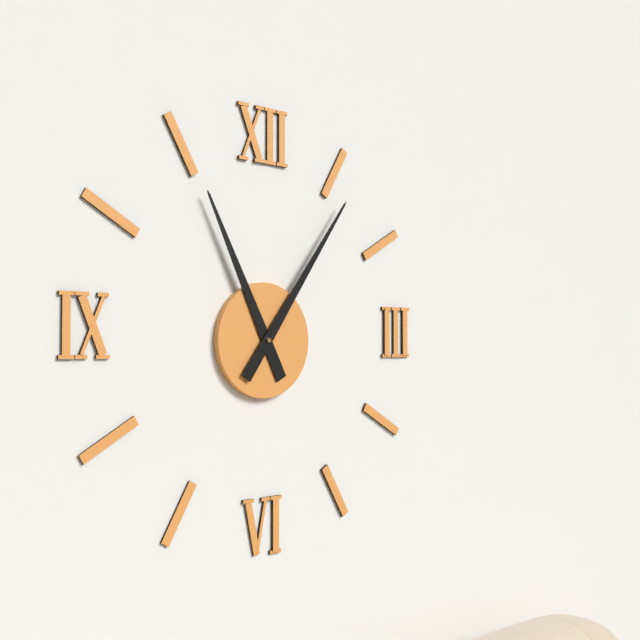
**11:06**
